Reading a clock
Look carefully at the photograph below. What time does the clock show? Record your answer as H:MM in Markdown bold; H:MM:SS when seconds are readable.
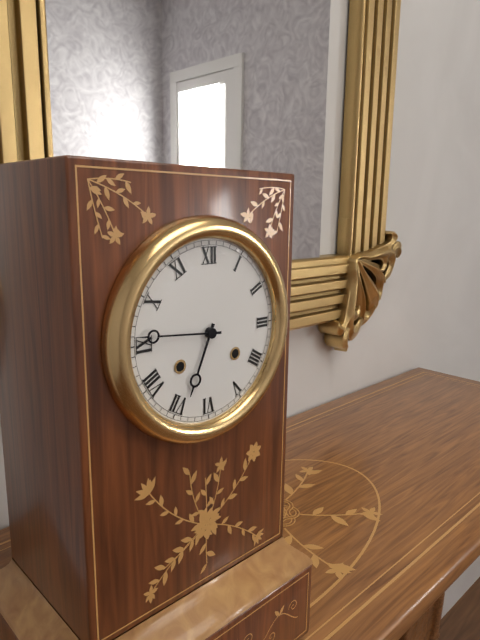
**6:46**
